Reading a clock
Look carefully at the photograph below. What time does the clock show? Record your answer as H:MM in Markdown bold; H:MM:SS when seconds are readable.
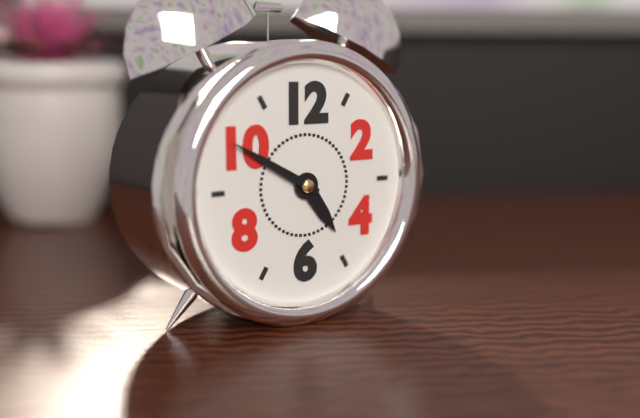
**4:50**
